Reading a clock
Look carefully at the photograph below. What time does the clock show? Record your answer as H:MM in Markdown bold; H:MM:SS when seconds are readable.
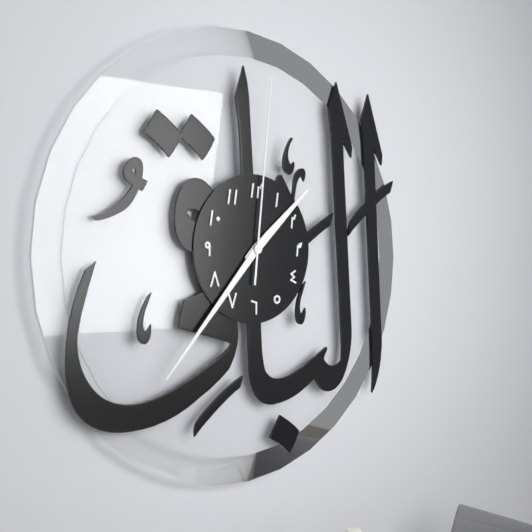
**1:37:01**
